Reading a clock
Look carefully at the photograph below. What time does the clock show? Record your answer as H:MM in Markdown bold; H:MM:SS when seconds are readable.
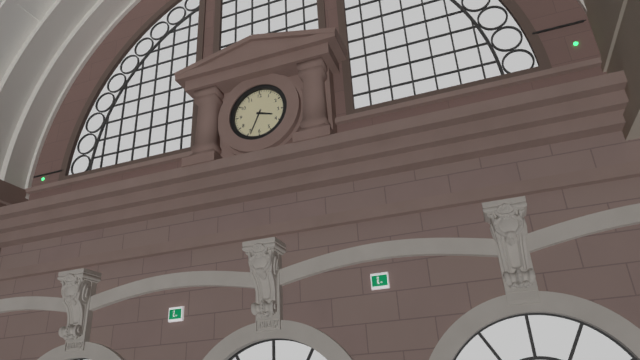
**3:34**
